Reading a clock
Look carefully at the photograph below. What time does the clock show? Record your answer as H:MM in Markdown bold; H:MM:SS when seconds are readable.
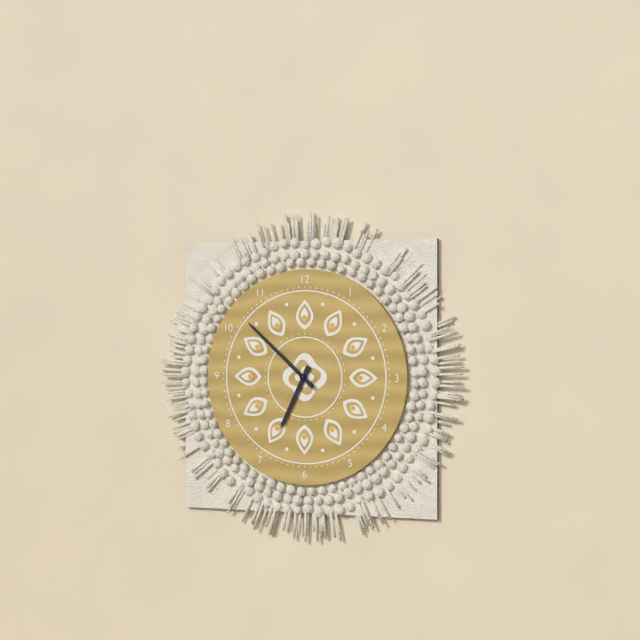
**6:52**
